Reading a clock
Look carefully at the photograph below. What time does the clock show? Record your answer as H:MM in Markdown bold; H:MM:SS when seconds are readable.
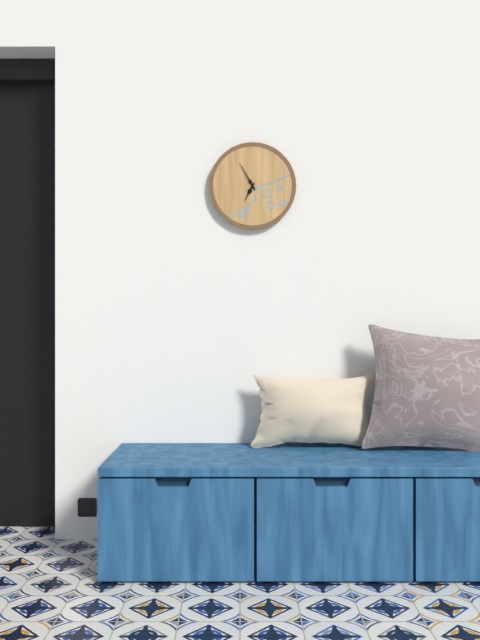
**6:55**
